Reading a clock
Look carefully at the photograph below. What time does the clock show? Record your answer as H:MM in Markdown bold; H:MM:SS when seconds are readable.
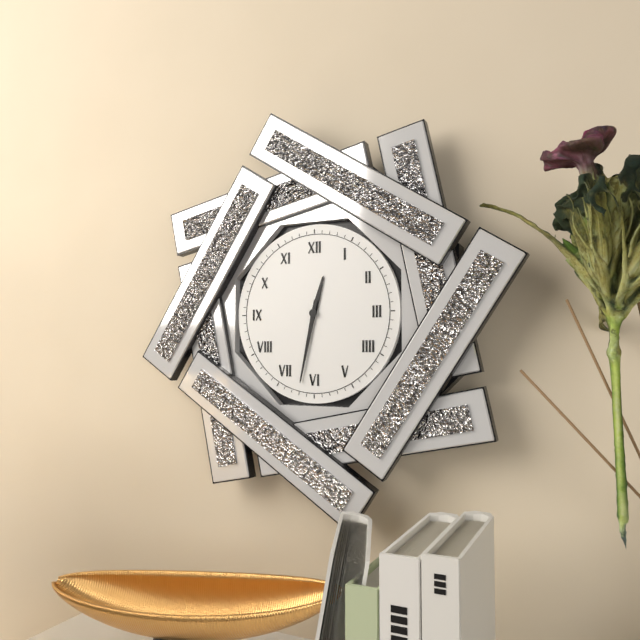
**12:32**
